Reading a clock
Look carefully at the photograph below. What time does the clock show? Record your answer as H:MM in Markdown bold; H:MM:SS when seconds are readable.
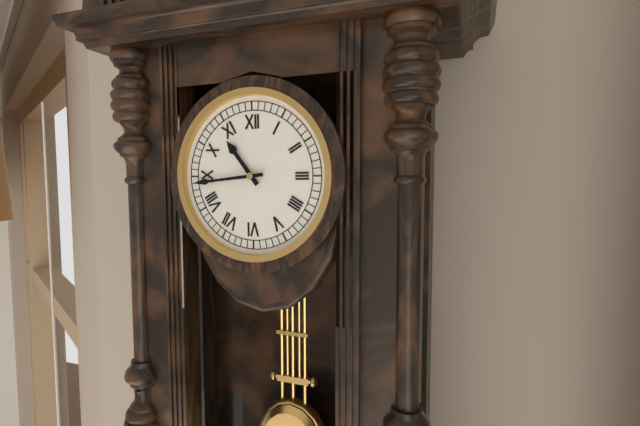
**10:44**
